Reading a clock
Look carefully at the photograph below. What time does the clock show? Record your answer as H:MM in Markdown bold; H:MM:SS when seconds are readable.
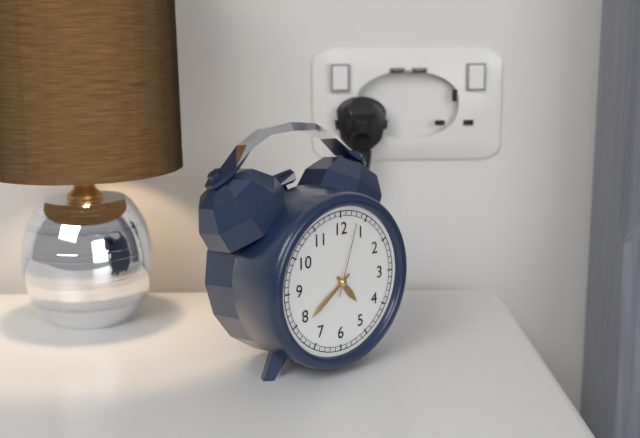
**4:39:03**
